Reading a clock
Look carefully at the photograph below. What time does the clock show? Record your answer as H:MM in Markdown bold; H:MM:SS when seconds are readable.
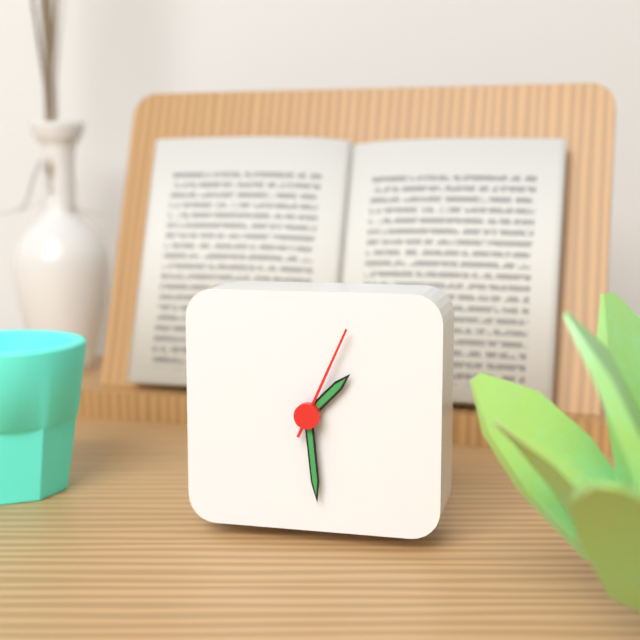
**1:29:04**
